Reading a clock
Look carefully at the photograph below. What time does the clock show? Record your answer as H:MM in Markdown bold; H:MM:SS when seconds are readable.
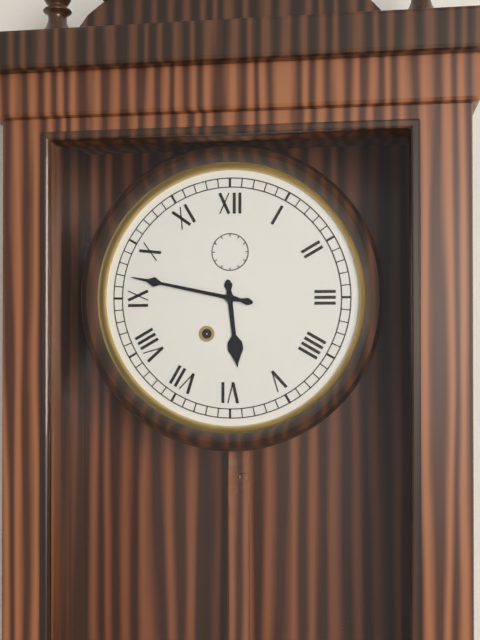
**5:47**
